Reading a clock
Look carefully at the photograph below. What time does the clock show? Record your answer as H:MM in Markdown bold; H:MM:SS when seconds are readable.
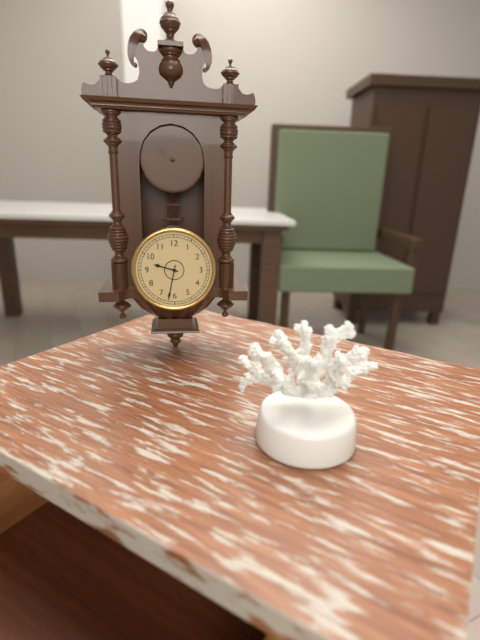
**9:32**
